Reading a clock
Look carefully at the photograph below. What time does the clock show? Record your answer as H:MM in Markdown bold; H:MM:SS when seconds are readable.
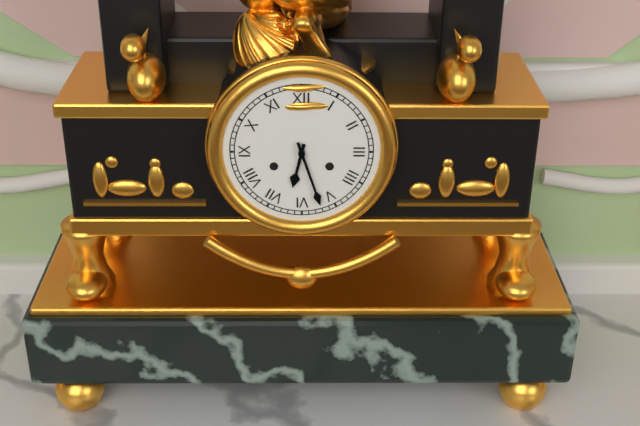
**6:27**
